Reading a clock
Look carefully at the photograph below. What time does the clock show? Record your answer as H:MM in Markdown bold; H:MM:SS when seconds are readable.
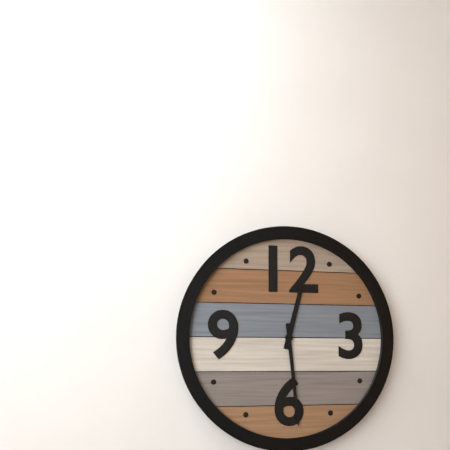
**12:29**
